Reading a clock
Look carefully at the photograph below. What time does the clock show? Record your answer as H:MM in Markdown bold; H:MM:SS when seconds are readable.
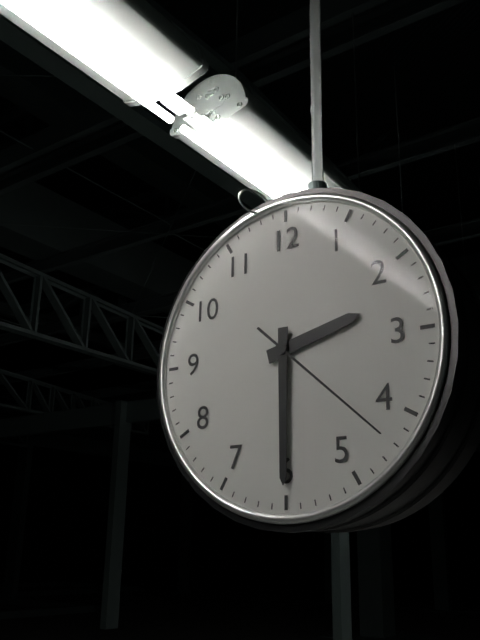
**2:30:22**
